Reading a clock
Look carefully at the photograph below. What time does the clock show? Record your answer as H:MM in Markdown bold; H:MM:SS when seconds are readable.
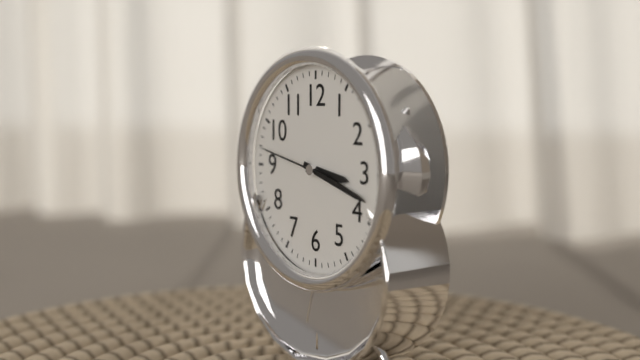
**3:18:47**
